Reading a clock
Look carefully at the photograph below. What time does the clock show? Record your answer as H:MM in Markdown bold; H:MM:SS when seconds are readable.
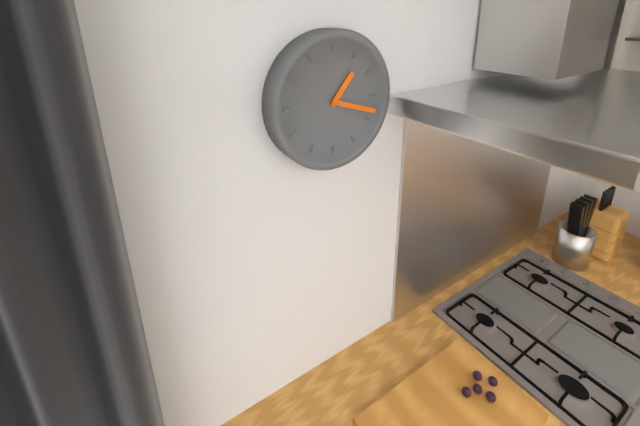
**1:18**
